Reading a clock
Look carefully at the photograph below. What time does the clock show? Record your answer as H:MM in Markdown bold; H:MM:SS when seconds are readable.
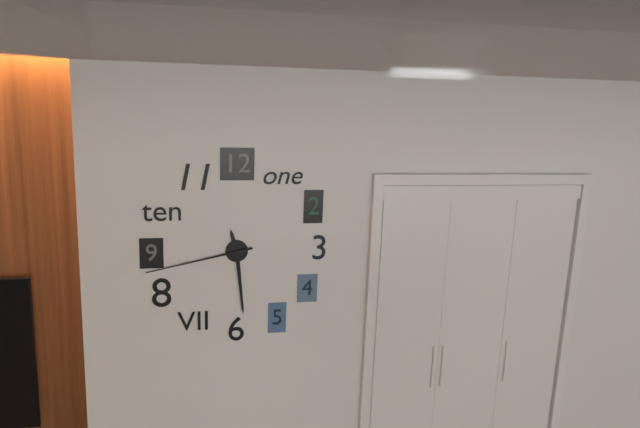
**11:29:43**
